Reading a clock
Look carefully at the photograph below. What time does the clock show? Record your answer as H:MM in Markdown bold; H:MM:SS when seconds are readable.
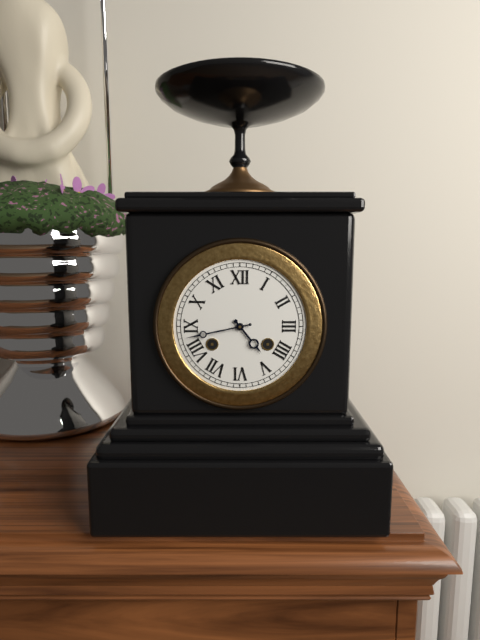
**4:43**
